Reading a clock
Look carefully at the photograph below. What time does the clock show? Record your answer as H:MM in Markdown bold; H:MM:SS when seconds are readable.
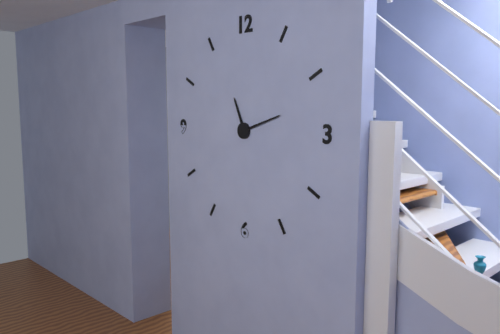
**11:12**
